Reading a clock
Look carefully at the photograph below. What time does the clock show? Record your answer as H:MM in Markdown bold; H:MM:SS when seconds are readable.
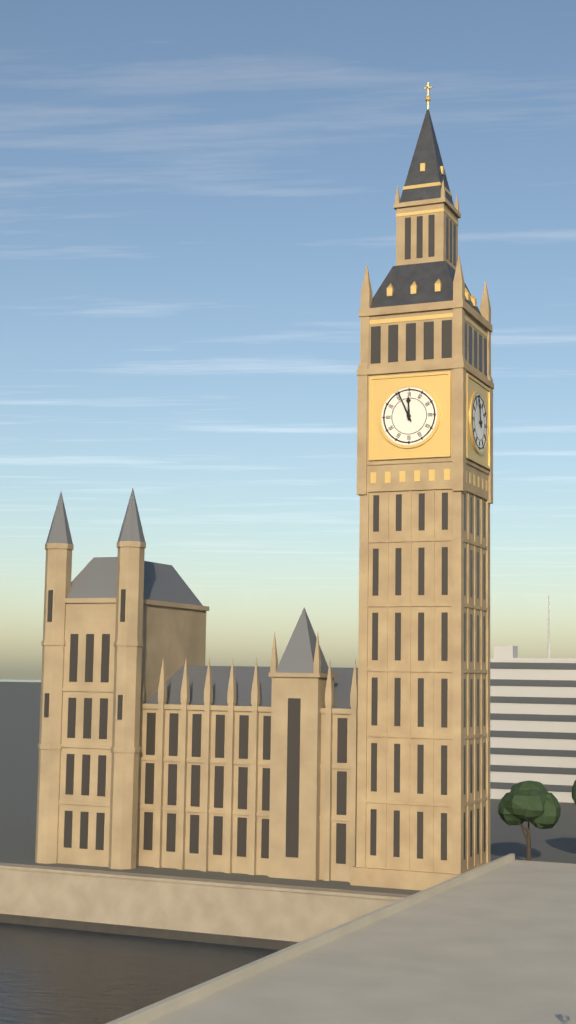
**11:56**
